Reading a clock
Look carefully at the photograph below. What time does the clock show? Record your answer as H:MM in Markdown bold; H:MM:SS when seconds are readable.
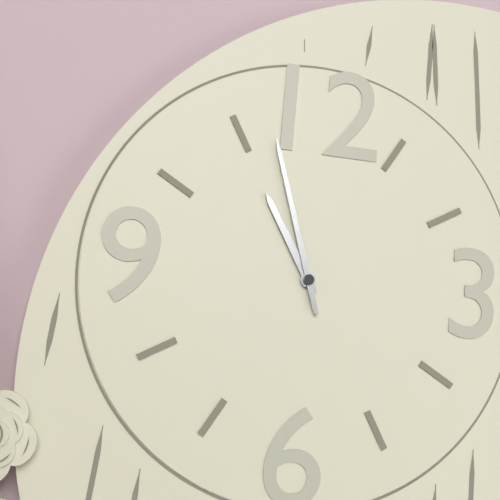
**10:57**
